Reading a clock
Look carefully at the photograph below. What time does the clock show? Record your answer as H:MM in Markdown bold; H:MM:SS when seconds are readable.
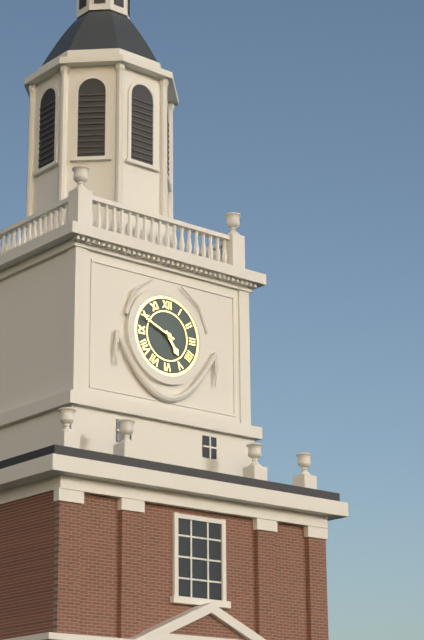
**4:49**
